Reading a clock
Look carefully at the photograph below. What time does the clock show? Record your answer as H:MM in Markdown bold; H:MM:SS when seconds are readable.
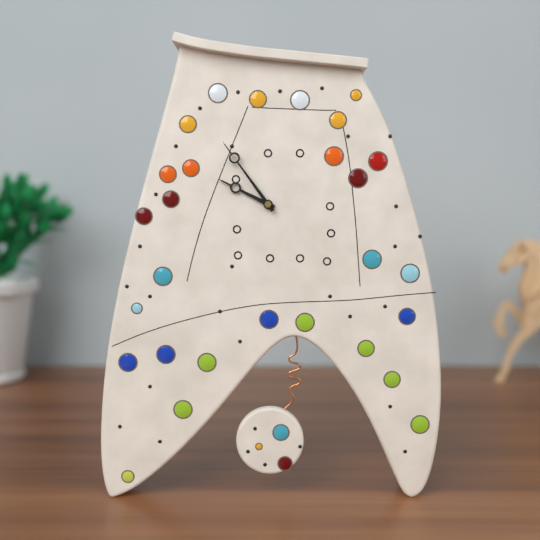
**9:54**
